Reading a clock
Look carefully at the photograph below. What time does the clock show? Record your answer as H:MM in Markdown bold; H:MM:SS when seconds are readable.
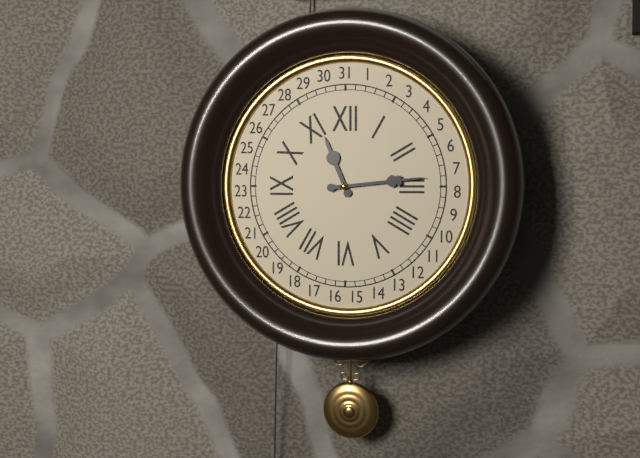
**11:14**
